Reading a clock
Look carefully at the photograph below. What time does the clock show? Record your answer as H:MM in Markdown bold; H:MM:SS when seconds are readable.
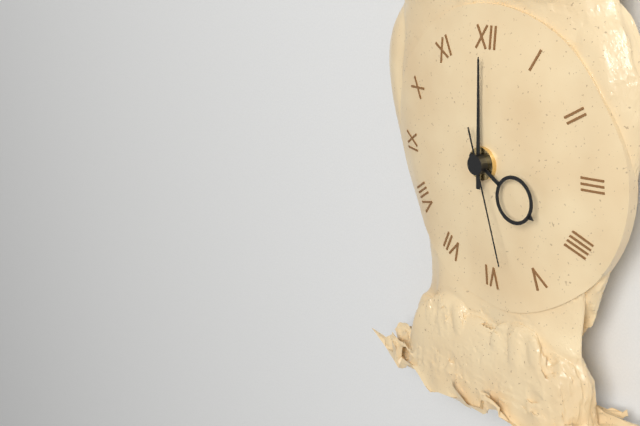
**4:00:27**
